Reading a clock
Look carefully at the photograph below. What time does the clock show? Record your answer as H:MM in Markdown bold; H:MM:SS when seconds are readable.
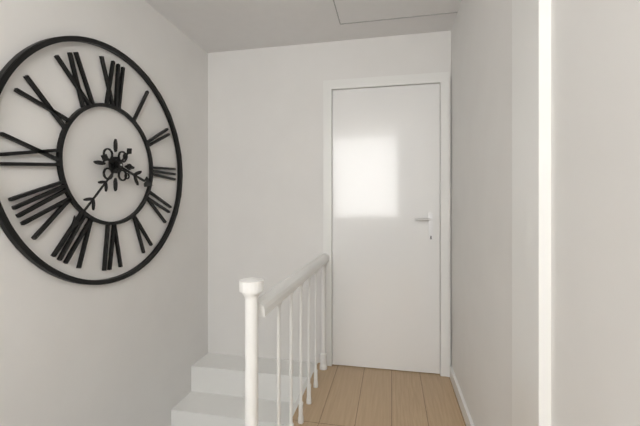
**3:37**
